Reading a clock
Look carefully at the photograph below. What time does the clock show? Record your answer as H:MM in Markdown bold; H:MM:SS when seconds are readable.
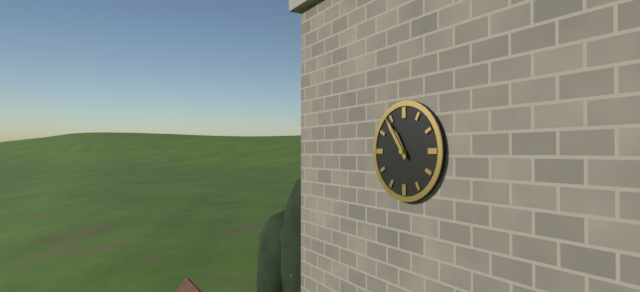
**10:54**
